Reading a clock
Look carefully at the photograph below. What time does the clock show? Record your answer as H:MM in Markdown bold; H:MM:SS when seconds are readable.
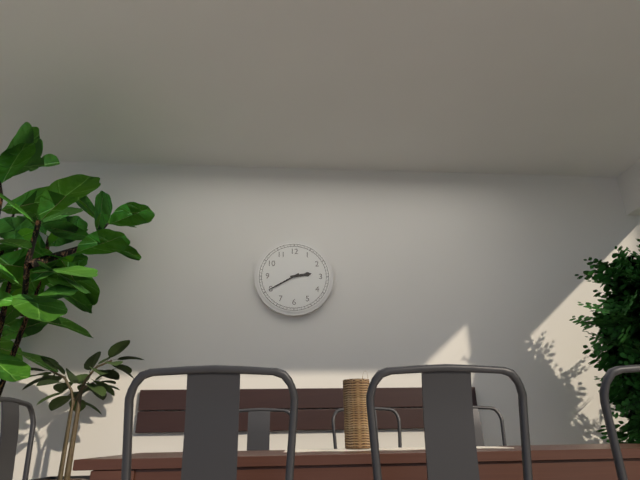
**2:40**
